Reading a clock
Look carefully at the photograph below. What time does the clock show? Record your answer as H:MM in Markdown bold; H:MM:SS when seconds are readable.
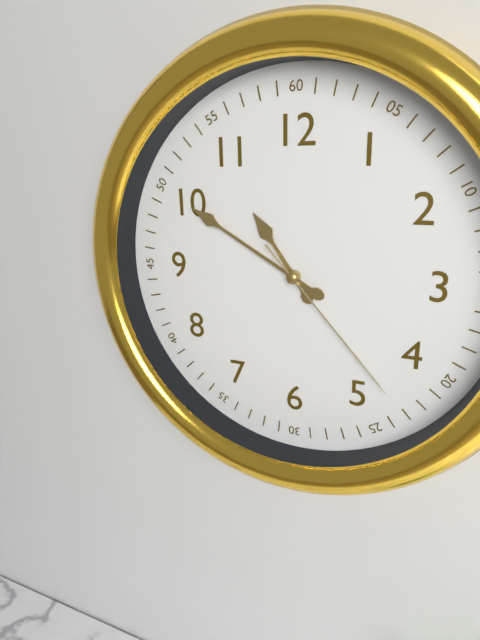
**10:50:23**
